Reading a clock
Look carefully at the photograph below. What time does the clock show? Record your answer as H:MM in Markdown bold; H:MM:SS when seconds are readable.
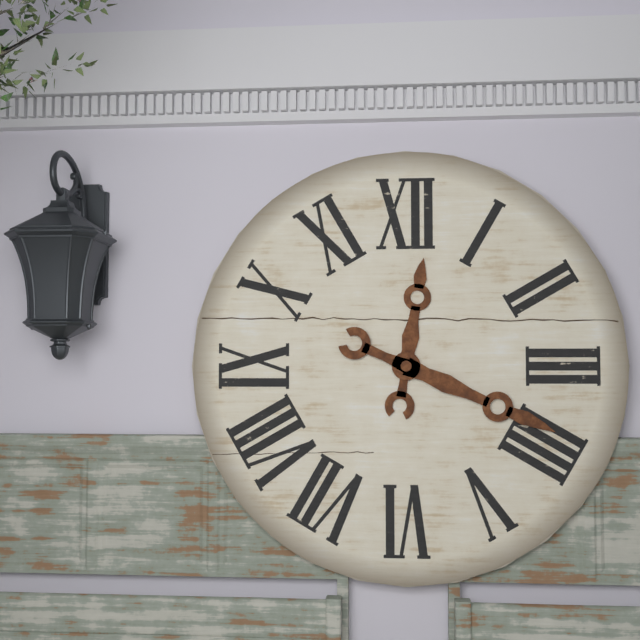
**12:19**
